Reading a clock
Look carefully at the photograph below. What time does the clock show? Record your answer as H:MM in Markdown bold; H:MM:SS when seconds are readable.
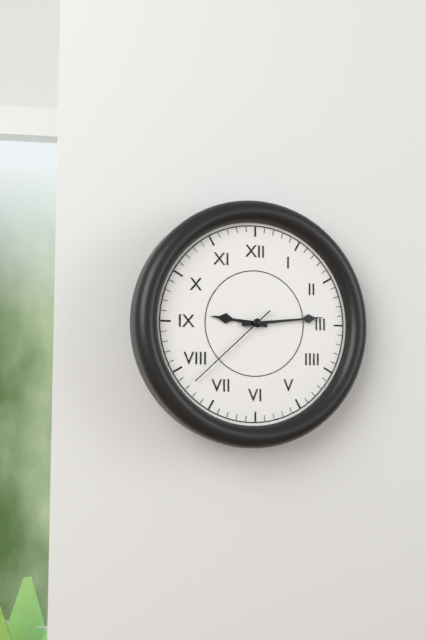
**9:14:38**
